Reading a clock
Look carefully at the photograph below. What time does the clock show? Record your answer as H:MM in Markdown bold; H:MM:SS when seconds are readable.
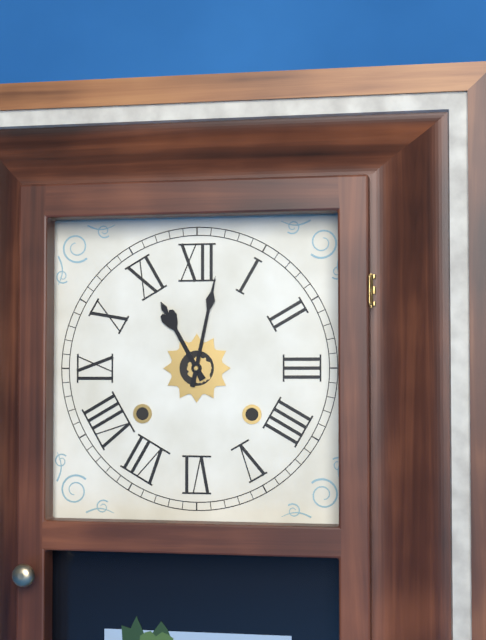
**11:02**
